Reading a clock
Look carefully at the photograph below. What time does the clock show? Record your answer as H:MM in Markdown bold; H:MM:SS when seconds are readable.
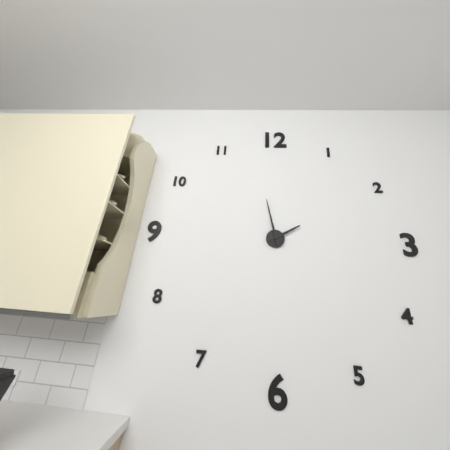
**1:58**
